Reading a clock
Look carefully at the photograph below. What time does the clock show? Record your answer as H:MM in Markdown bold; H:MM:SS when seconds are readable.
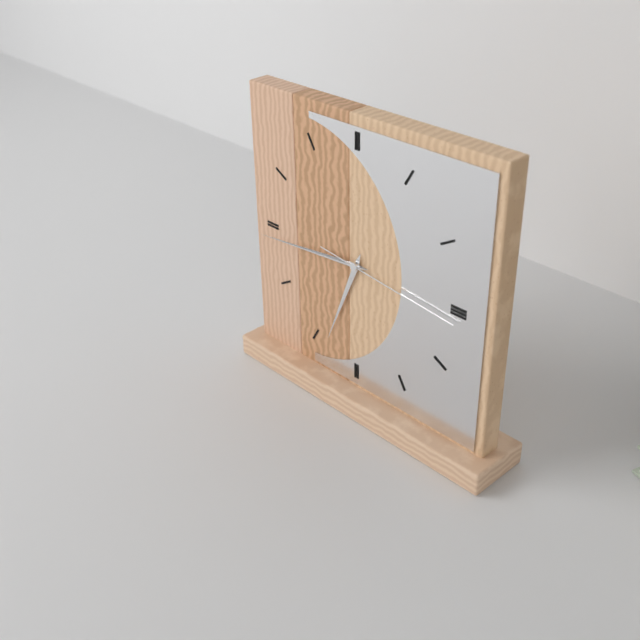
**6:44:16**
